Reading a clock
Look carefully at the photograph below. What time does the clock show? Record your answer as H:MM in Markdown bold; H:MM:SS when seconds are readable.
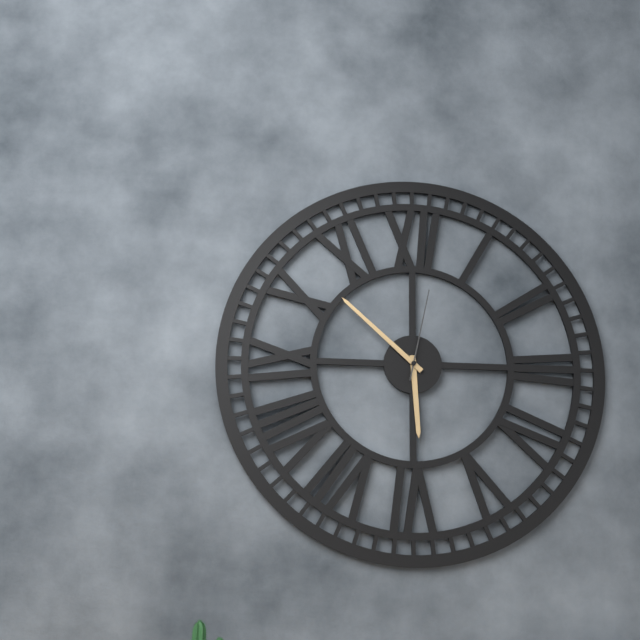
**5:52:02**
